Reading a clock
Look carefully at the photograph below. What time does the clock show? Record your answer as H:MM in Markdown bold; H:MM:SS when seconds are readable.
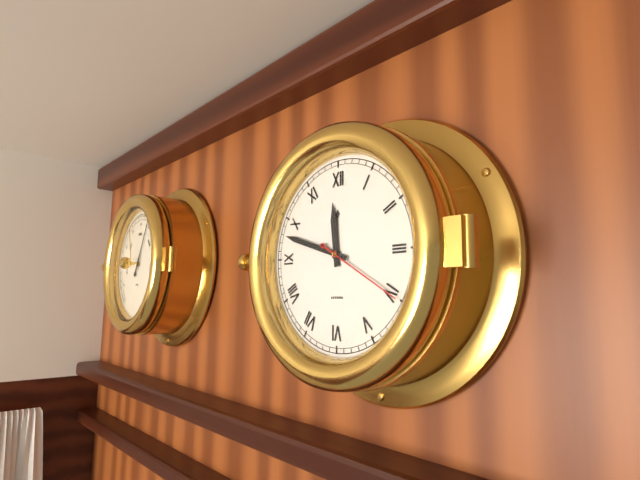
**11:48**
